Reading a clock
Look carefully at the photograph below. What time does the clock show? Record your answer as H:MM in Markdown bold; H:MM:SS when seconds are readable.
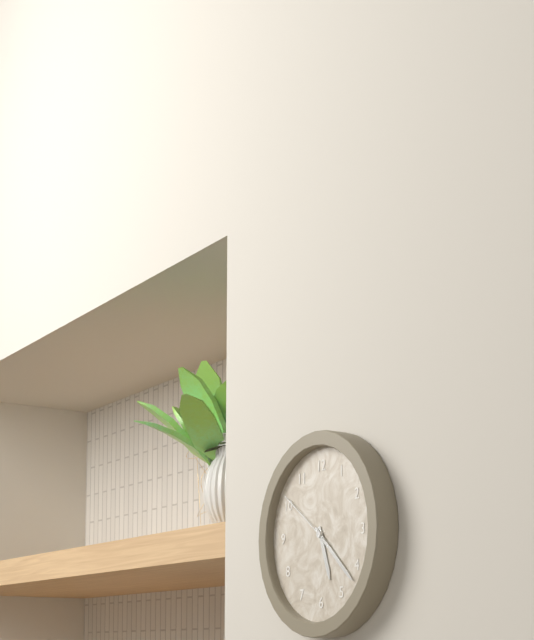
**5:22:51**
